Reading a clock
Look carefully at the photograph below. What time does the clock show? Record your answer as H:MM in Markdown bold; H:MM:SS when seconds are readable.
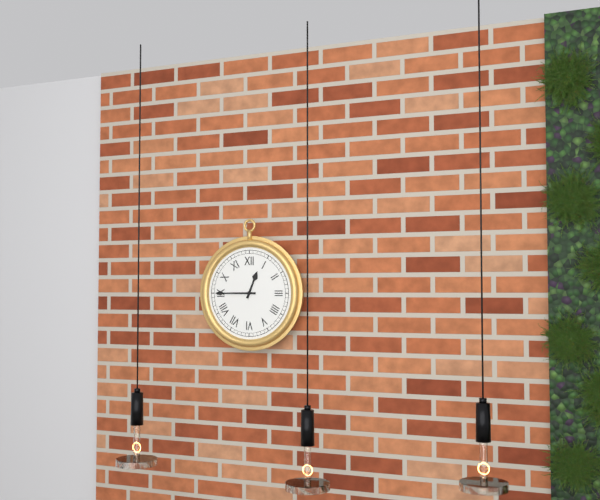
**12:45**
